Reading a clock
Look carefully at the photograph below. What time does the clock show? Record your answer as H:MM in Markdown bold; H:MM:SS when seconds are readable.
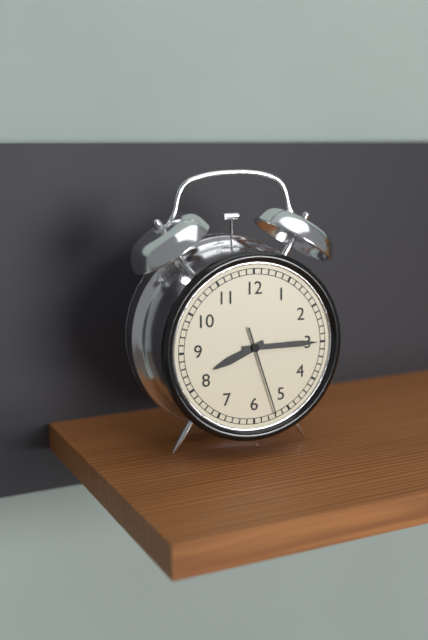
**8:15:27**
